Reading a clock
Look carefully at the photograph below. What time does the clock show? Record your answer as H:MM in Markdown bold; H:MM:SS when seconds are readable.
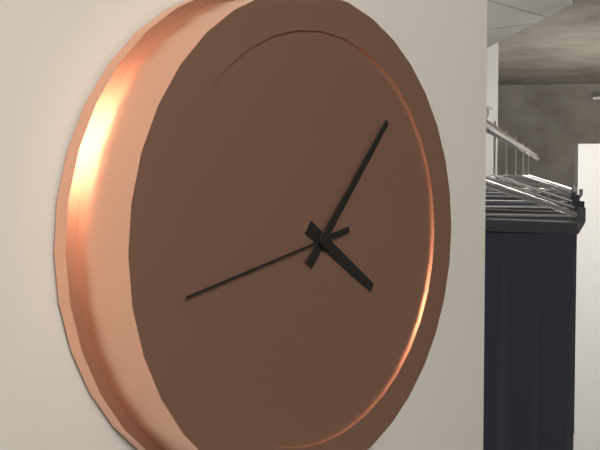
**4:07:43**
